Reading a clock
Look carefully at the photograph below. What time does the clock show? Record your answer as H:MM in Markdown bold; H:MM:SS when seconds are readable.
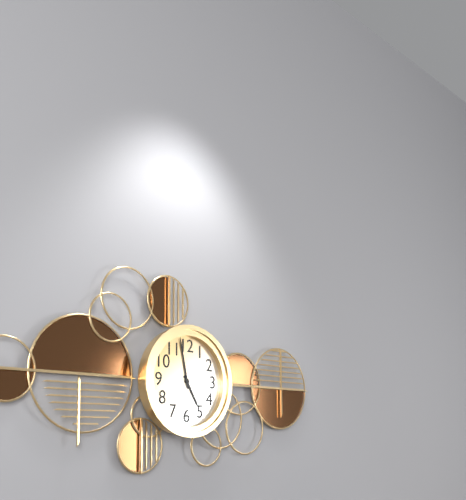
**4:58**
